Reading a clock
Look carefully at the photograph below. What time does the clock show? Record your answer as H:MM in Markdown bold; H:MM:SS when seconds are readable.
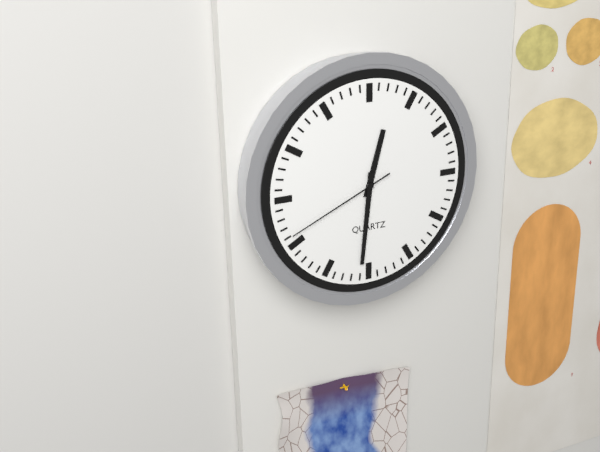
**12:31:41**
